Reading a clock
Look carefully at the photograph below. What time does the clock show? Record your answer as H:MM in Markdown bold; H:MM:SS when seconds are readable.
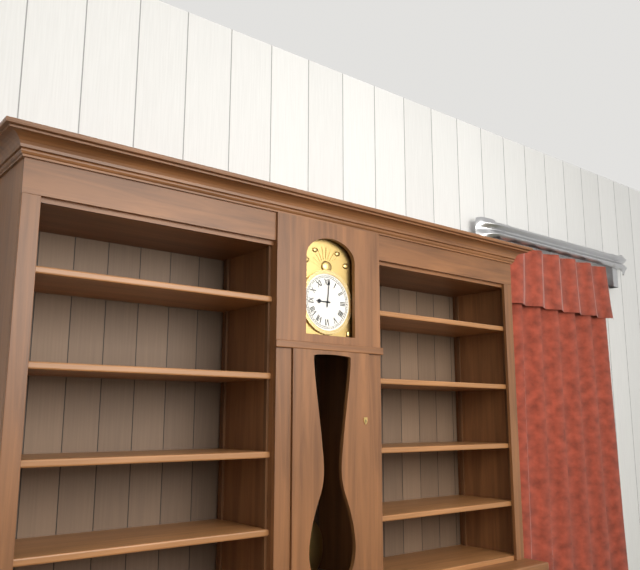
**9:01**
